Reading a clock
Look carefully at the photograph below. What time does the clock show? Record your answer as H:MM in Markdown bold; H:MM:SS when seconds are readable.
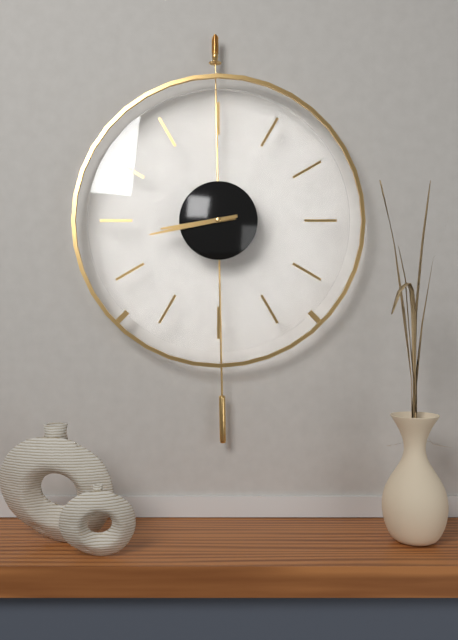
**8:43**
